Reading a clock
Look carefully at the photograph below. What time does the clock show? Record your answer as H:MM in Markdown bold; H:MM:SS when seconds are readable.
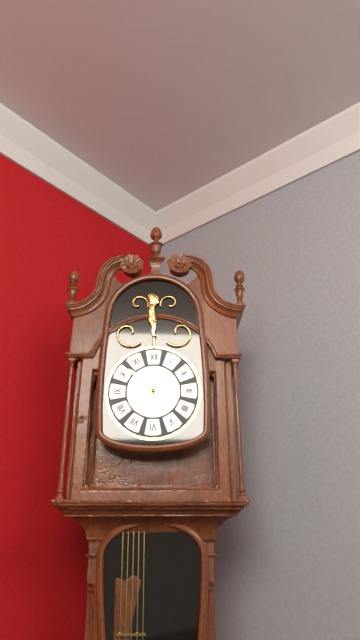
**7:52**
